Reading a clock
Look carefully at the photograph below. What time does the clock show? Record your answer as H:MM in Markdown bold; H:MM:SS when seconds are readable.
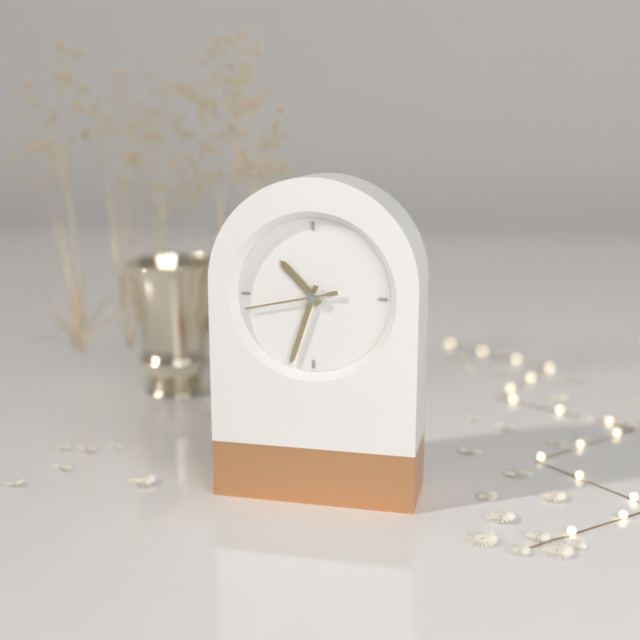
**10:33:43**
